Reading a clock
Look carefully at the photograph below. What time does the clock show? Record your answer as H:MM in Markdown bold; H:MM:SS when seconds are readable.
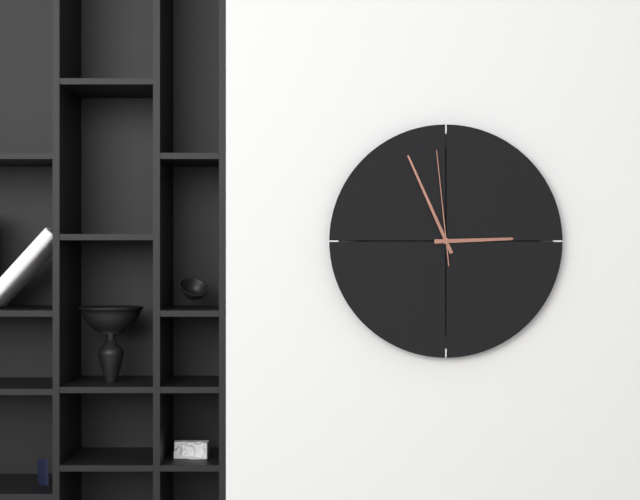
**2:56:59**
